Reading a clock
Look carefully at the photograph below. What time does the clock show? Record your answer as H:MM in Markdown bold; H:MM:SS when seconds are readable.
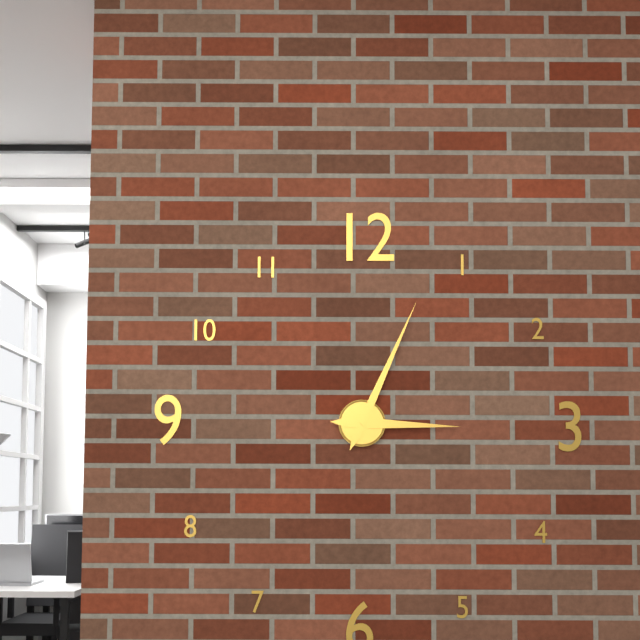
**3:04**
